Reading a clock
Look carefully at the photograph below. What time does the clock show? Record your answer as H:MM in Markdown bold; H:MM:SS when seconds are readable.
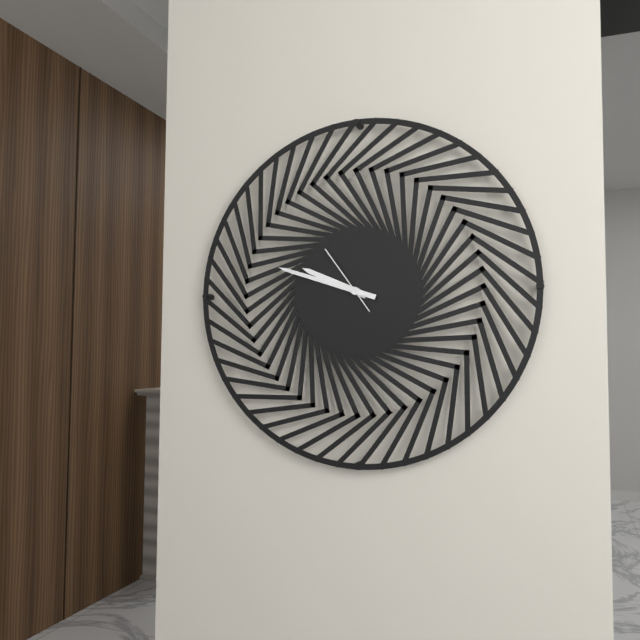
**9:48:54**
